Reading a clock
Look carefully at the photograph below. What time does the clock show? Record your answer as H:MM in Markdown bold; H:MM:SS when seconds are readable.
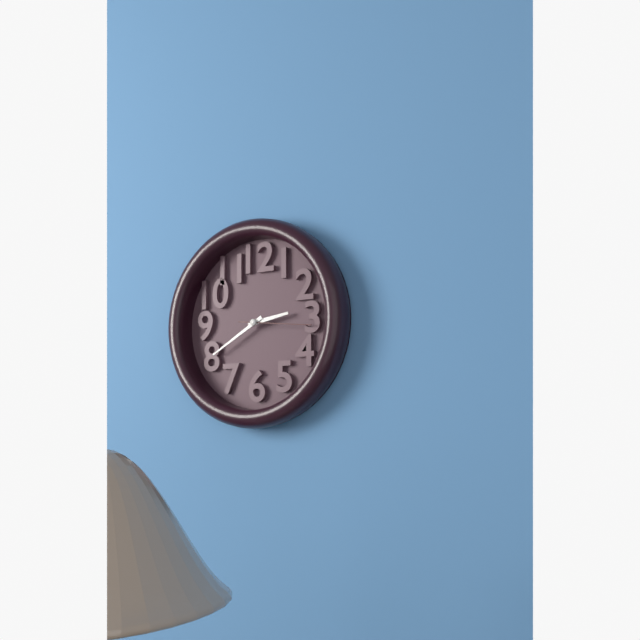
**2:40:16**
